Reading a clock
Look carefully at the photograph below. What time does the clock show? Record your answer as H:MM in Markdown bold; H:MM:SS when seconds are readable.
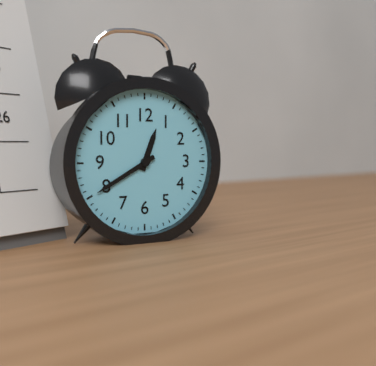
**12:40**
